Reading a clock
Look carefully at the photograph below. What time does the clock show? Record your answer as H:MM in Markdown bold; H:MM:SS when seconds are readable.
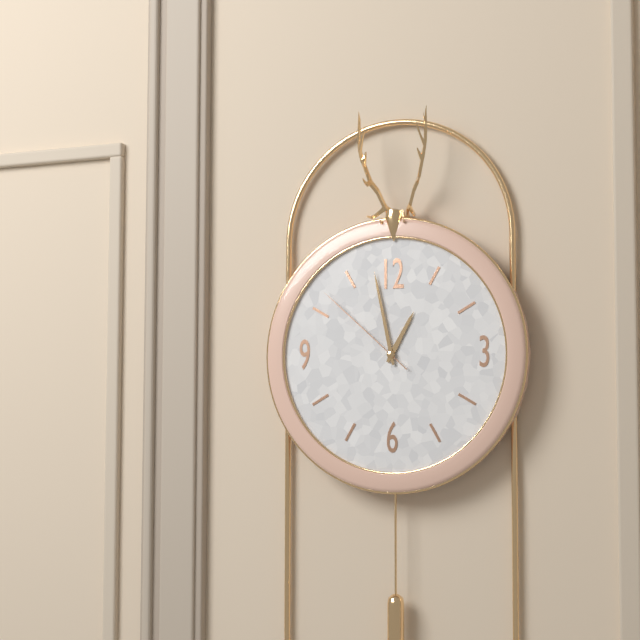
**12:58:52**
